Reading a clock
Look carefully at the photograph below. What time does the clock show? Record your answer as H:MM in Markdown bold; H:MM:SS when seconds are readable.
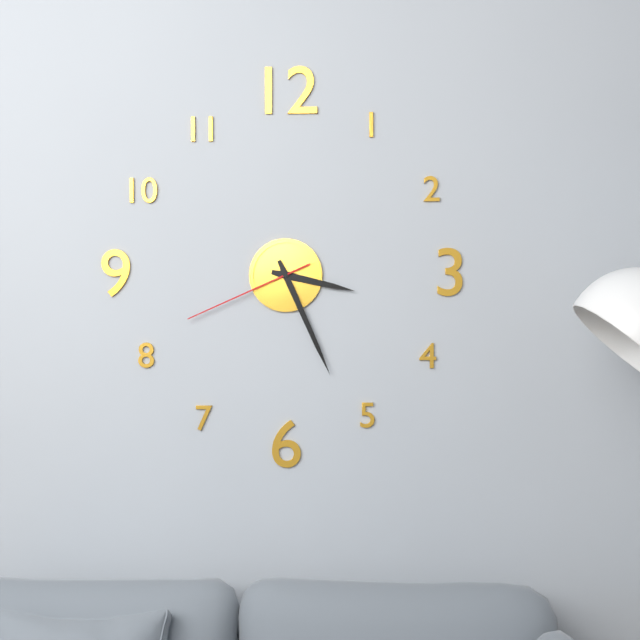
**3:26:41**
